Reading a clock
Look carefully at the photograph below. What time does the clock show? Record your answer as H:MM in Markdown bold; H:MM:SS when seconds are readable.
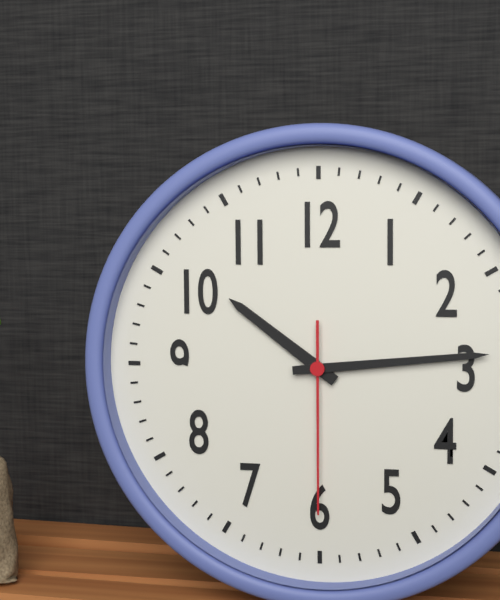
**10:14:30**
